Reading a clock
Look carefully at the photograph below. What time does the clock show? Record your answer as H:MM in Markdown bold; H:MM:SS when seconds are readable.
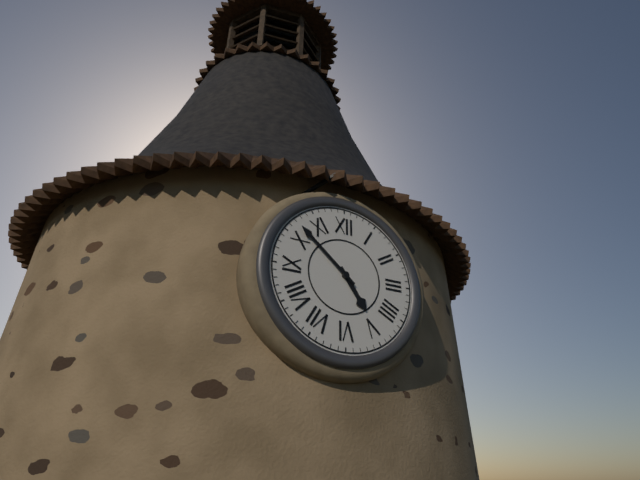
**4:52**
